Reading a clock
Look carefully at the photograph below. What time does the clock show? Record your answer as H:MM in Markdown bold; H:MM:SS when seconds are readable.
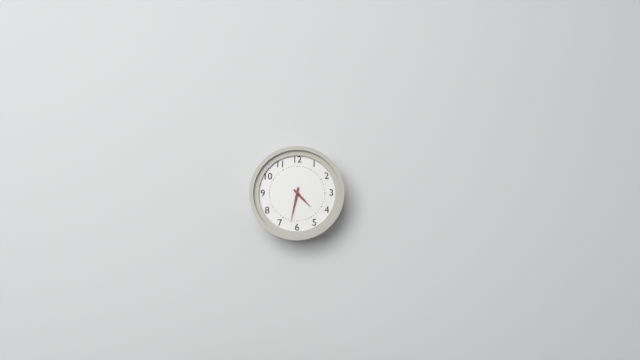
**4:32**
